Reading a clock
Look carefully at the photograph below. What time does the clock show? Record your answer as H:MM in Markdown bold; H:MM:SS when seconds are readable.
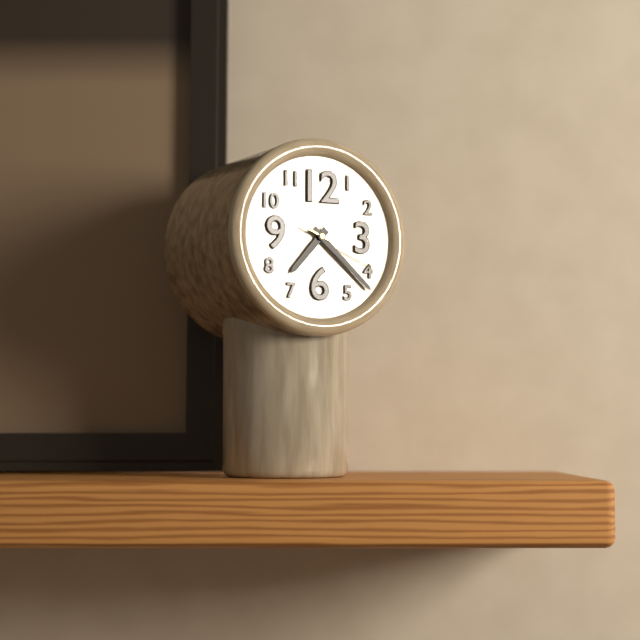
**7:22:19**
